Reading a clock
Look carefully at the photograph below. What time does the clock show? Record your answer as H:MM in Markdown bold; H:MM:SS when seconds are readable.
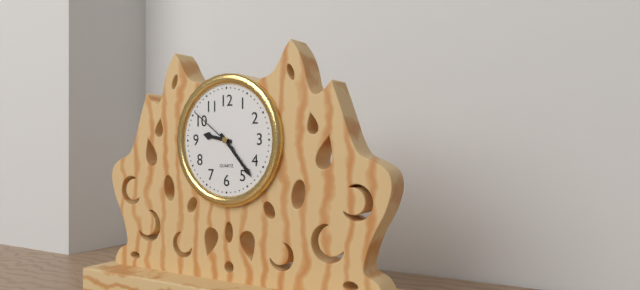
**9:23:51**
